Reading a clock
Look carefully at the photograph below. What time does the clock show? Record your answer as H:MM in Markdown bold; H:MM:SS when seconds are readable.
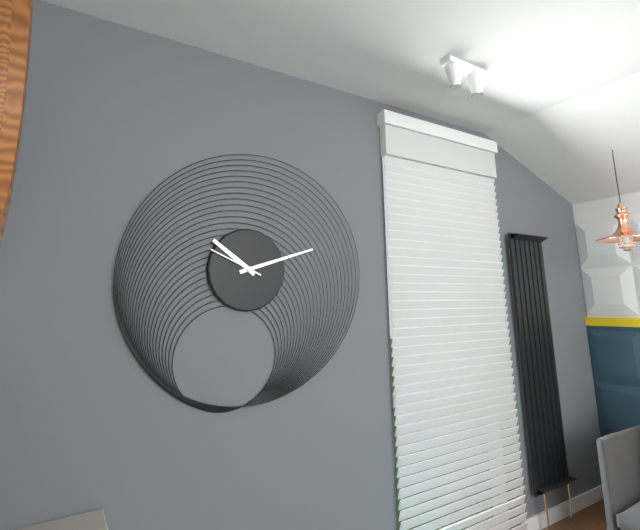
**10:12:49**
